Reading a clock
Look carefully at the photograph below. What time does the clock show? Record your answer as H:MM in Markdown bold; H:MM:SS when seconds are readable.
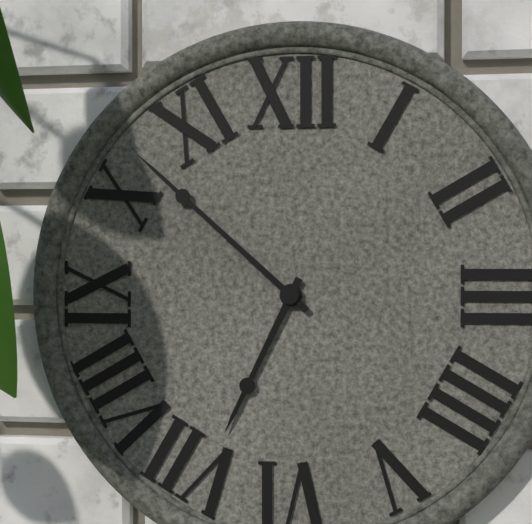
**6:52**
